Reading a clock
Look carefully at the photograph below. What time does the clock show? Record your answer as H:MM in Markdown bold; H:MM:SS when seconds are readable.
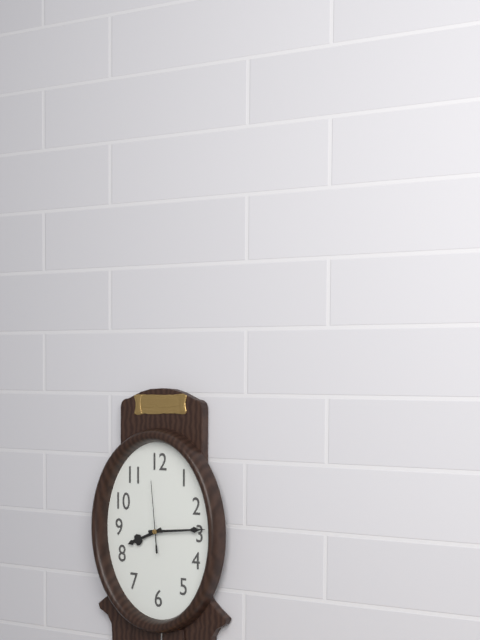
**8:14:59**
